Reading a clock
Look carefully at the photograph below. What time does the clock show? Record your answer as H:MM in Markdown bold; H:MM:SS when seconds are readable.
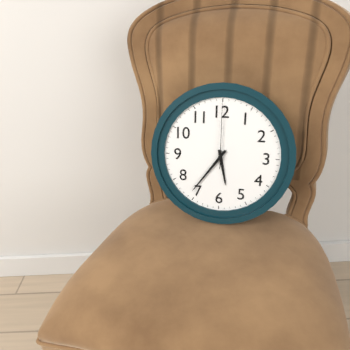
**5:36:00**
